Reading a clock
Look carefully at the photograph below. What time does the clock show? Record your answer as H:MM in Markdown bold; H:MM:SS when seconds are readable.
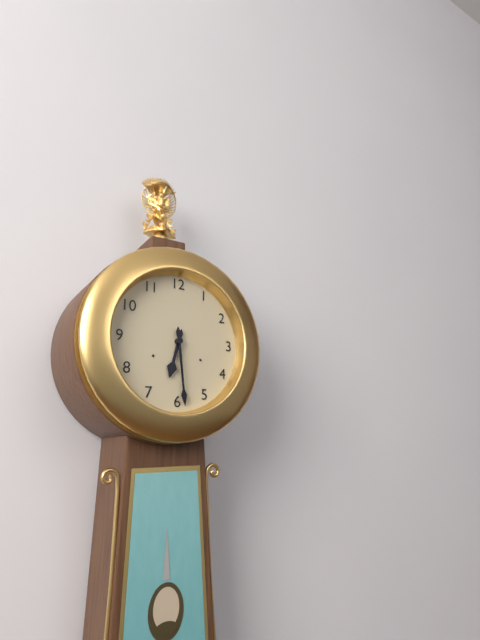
**6:29**
